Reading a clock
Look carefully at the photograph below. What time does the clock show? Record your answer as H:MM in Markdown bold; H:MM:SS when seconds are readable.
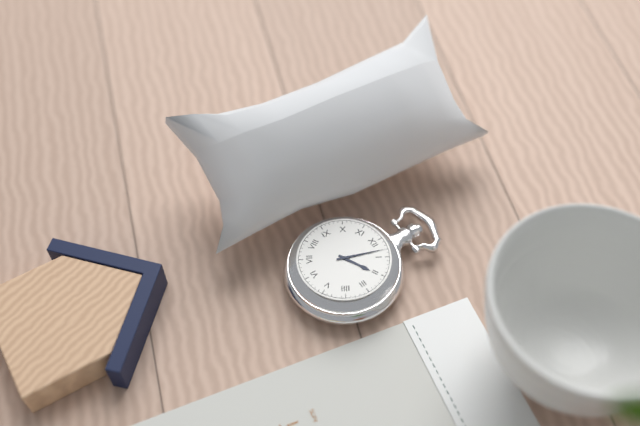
**2:03**
